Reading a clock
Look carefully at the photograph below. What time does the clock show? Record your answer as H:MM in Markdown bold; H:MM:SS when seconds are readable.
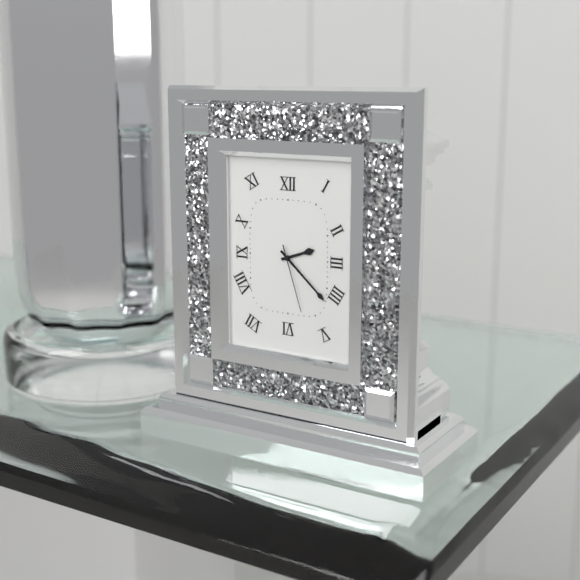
**2:22:27**
